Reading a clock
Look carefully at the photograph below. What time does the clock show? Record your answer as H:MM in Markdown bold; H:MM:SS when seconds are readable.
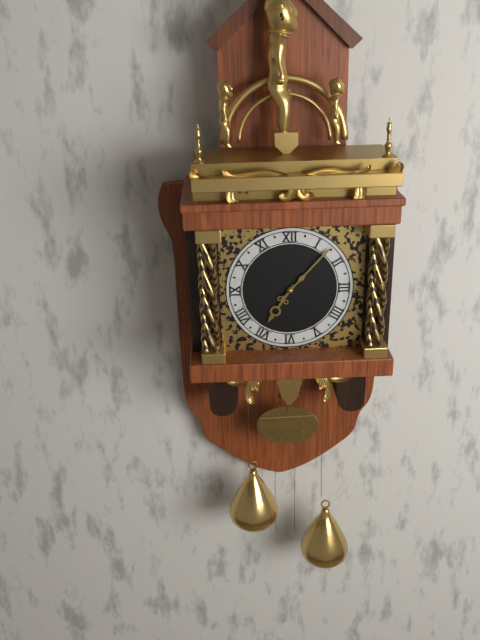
**7:07**
